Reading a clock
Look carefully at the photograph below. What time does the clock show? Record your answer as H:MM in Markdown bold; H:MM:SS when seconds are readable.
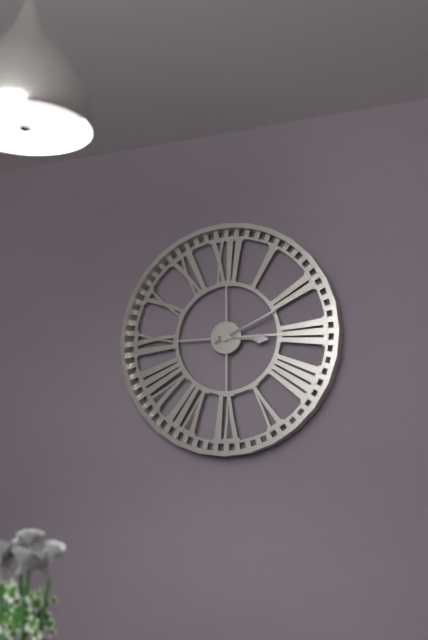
**3:11**
